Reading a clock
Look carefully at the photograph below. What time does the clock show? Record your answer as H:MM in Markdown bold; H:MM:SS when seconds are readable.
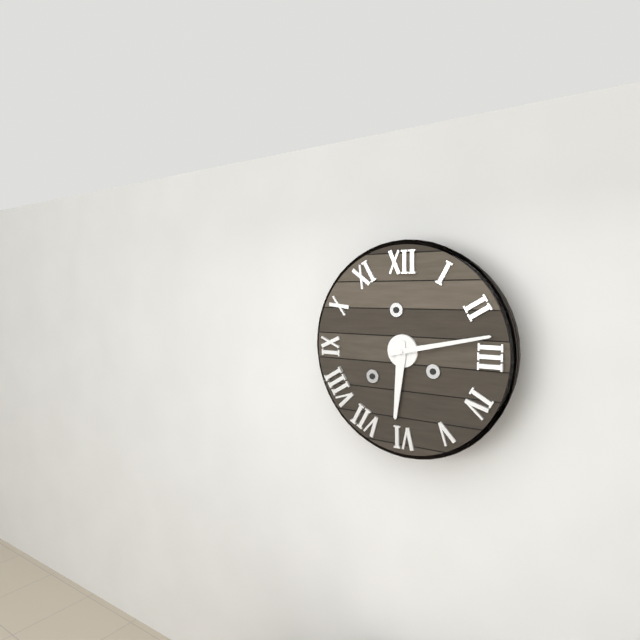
**6:13**
